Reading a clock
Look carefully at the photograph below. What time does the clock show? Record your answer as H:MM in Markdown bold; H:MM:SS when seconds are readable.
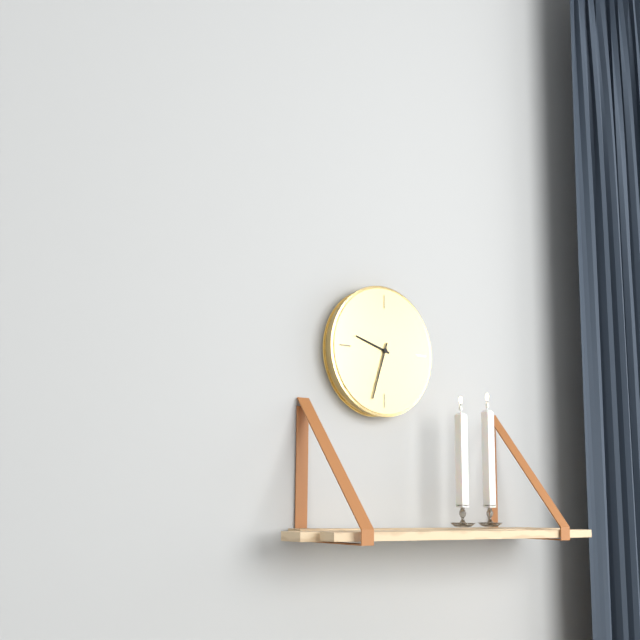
**9:33**
